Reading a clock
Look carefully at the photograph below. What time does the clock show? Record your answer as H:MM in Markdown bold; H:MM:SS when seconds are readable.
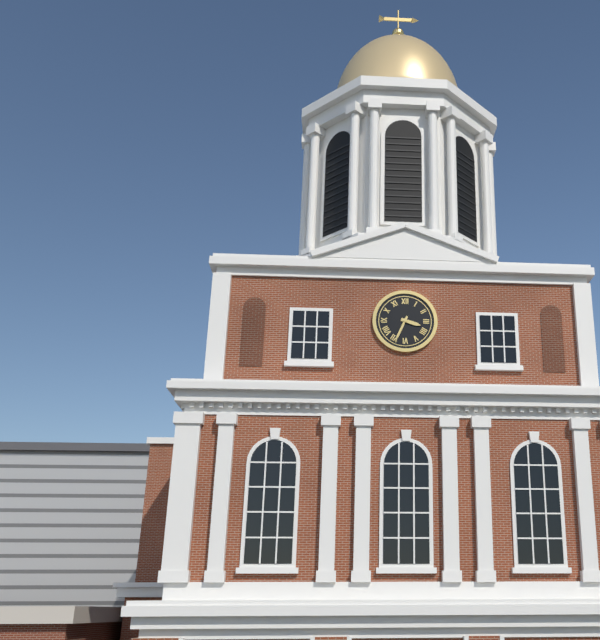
**3:34**
